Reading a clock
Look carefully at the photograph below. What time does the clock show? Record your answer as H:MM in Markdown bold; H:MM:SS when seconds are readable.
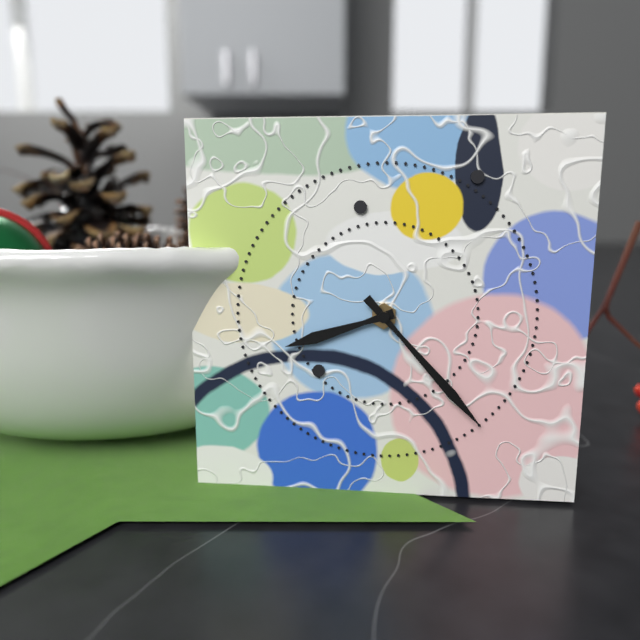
**8:23**
